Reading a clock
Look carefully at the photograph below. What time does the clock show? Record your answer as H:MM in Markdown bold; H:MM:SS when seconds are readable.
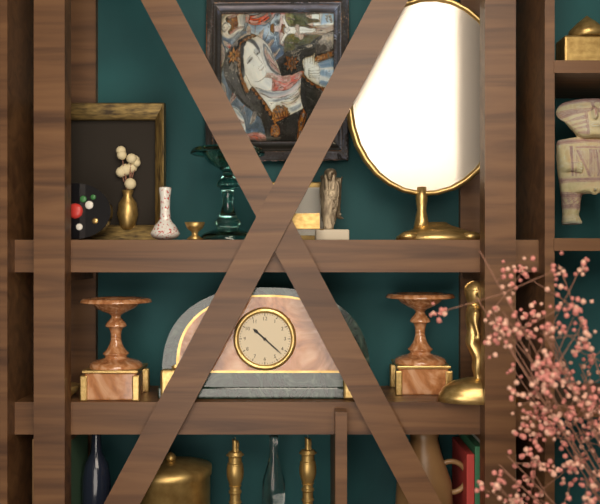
**10:22**
